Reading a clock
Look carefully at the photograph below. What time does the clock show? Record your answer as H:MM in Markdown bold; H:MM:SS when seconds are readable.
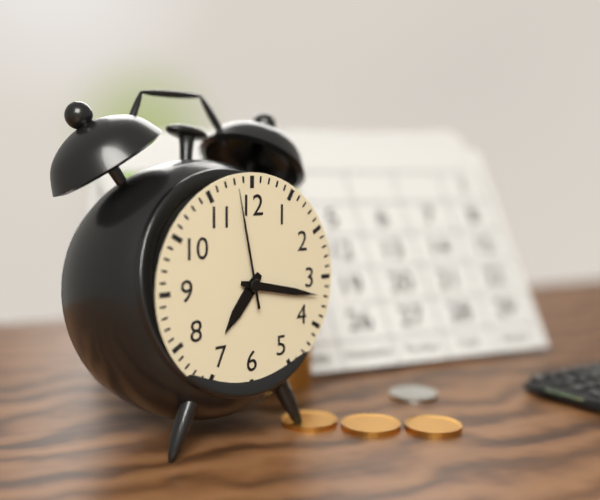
**7:17:58**
